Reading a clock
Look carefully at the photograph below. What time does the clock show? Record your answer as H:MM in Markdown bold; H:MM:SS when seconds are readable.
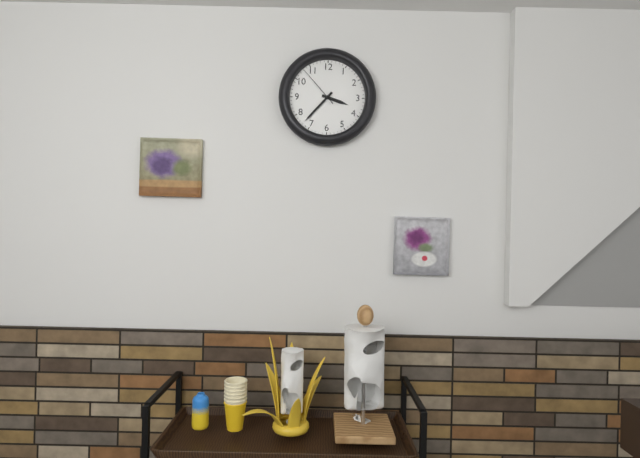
**3:37**
